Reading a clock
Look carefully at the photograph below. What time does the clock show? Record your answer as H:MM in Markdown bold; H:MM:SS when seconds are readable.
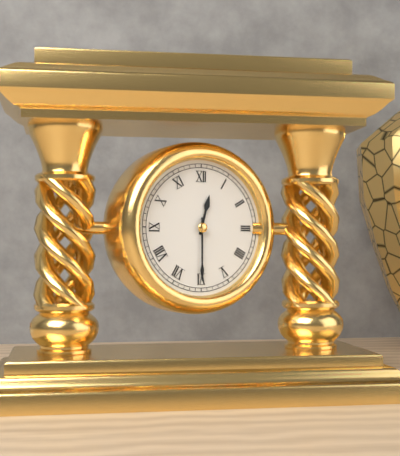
**12:30**
